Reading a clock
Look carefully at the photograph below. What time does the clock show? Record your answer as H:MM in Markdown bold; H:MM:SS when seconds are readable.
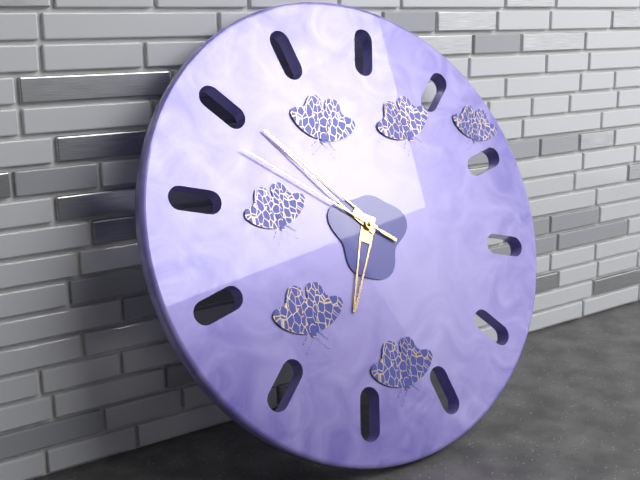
**6:53:51**
